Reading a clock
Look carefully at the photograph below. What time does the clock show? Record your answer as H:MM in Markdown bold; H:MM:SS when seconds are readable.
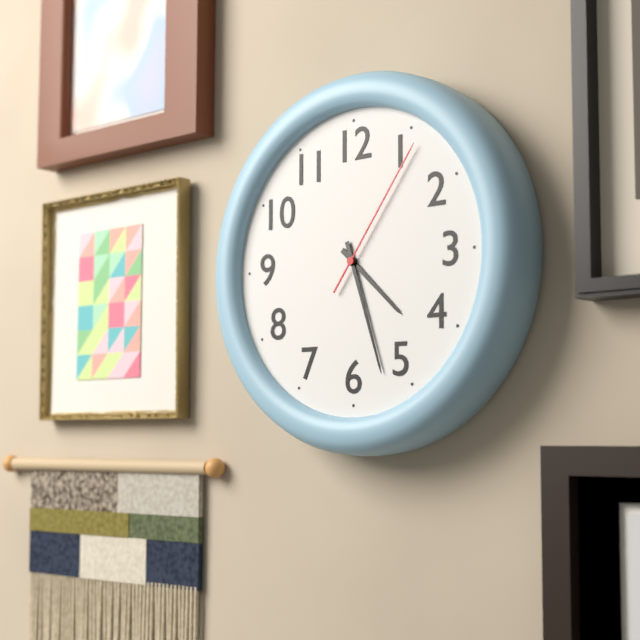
**4:27:06**
